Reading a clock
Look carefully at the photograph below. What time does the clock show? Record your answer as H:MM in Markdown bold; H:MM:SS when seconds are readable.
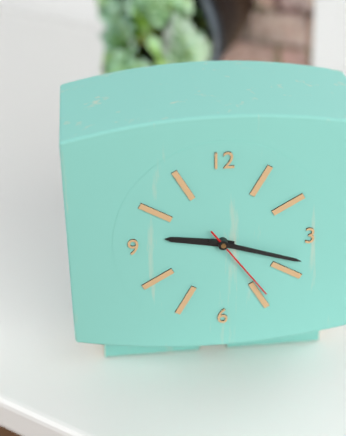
**9:18:24**
